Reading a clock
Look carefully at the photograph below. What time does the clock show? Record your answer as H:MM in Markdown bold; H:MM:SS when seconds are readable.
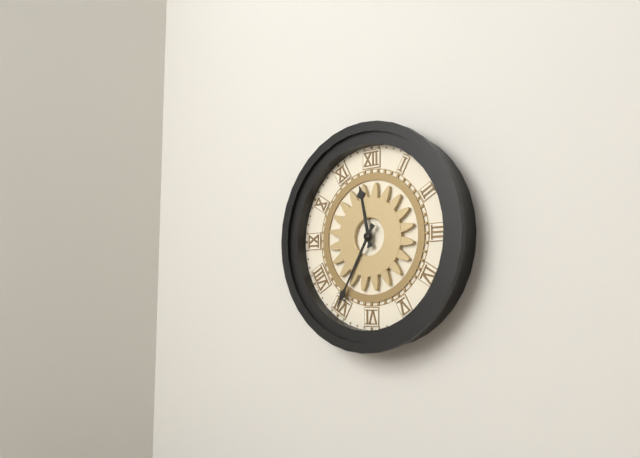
**11:35**
